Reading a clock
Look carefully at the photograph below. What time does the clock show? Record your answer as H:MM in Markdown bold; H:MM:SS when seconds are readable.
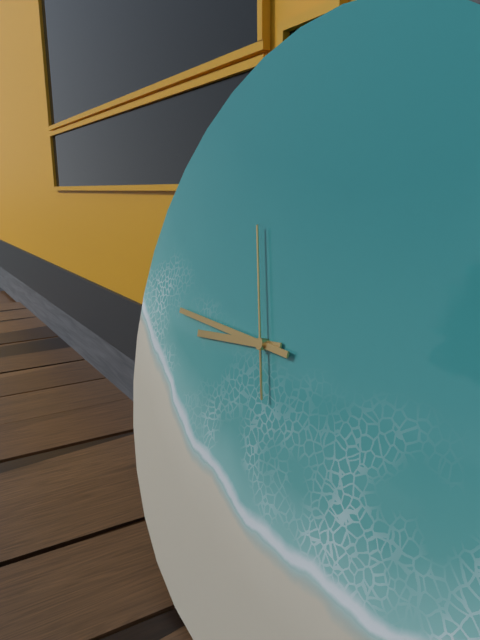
**8:45:56**
